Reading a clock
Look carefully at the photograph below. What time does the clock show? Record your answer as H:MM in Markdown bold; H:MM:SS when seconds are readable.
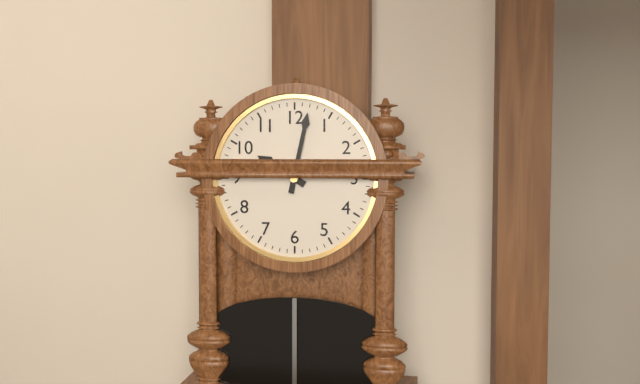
**10:02**
